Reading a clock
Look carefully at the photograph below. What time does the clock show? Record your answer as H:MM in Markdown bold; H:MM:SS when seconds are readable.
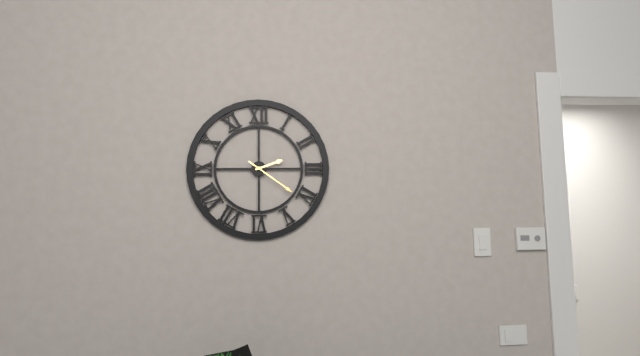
**2:21**
